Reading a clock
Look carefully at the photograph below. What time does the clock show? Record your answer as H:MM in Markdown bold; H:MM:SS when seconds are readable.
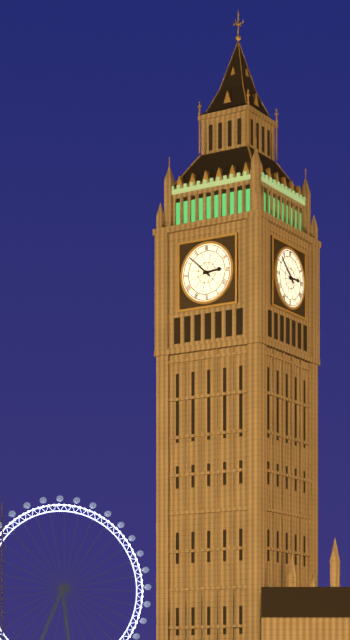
**2:52**
